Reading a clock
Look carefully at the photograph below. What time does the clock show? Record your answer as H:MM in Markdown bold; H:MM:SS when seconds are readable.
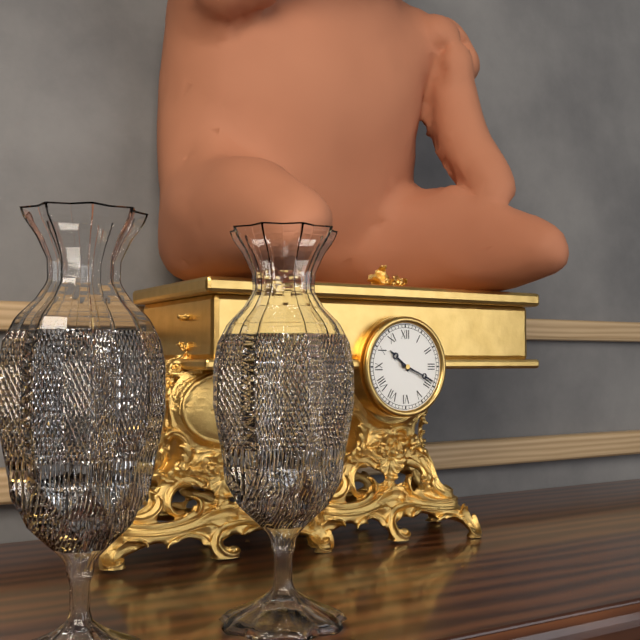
**10:19**
